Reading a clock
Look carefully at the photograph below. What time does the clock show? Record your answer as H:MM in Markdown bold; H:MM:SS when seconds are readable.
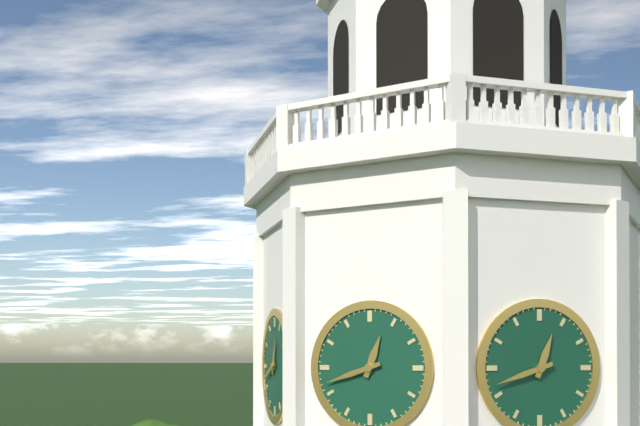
**12:42**
